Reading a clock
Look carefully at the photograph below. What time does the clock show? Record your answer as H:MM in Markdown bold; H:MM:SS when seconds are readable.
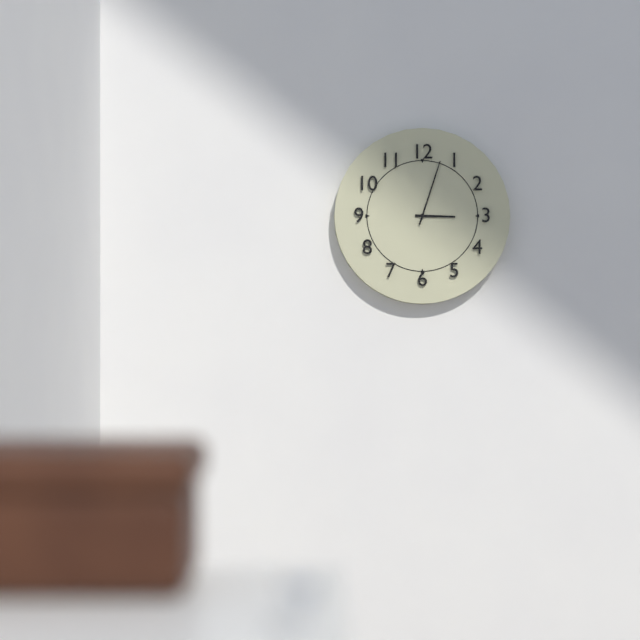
**3:03**
